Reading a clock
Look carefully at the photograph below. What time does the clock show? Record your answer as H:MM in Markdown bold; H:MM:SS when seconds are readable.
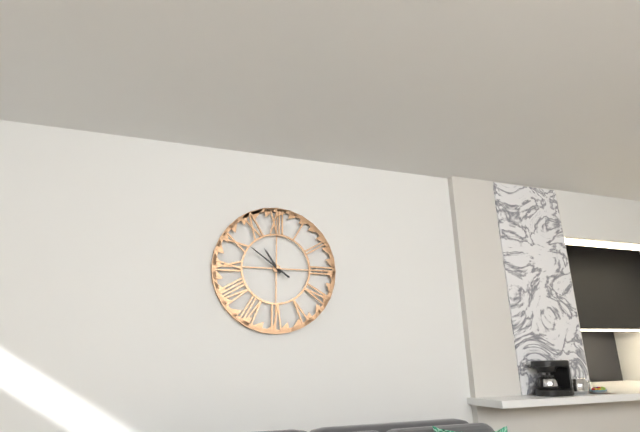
**10:51**
